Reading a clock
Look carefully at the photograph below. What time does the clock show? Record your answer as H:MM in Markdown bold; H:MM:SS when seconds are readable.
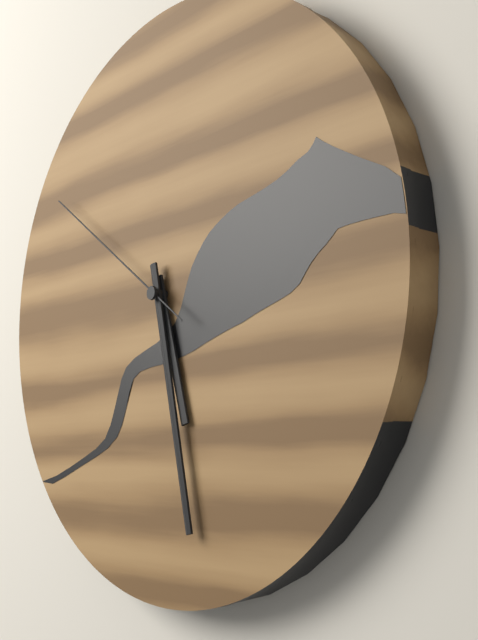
**5:28:51**
